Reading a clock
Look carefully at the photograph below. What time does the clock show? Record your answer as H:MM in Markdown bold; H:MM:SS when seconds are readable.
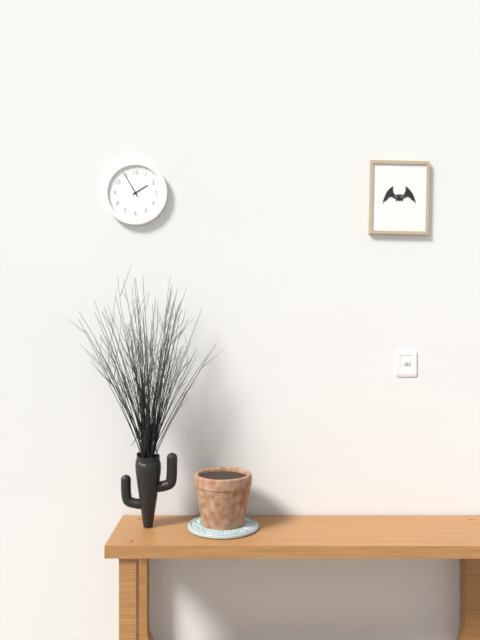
**1:55**
